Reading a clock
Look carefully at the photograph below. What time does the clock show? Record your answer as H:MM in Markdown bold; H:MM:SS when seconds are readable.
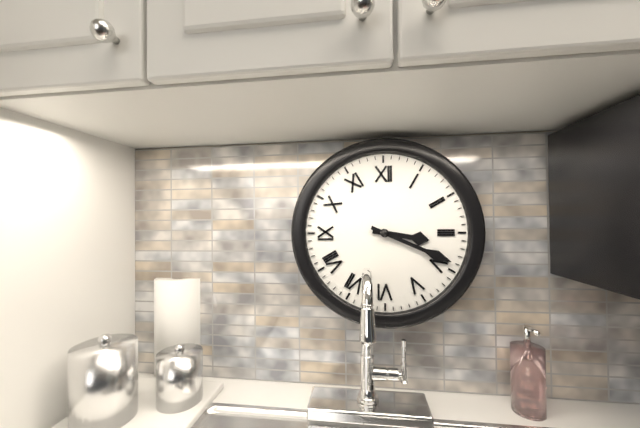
**3:19**
